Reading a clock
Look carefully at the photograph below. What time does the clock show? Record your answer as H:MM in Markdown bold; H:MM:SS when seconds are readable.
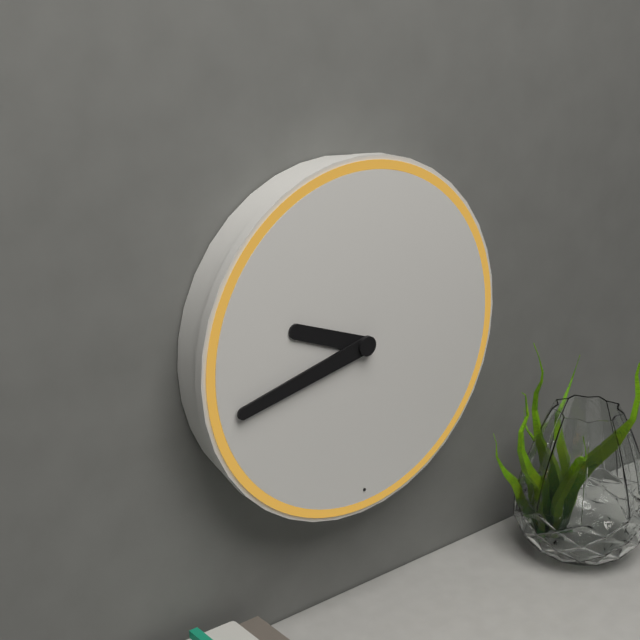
**9:43**
